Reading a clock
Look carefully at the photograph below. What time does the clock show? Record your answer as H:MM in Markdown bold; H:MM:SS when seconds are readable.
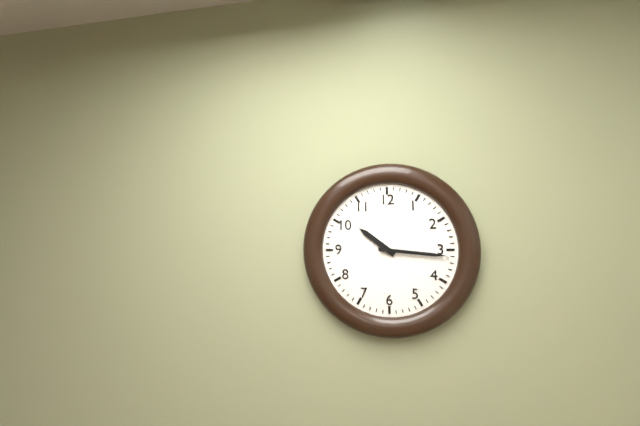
**10:16**
